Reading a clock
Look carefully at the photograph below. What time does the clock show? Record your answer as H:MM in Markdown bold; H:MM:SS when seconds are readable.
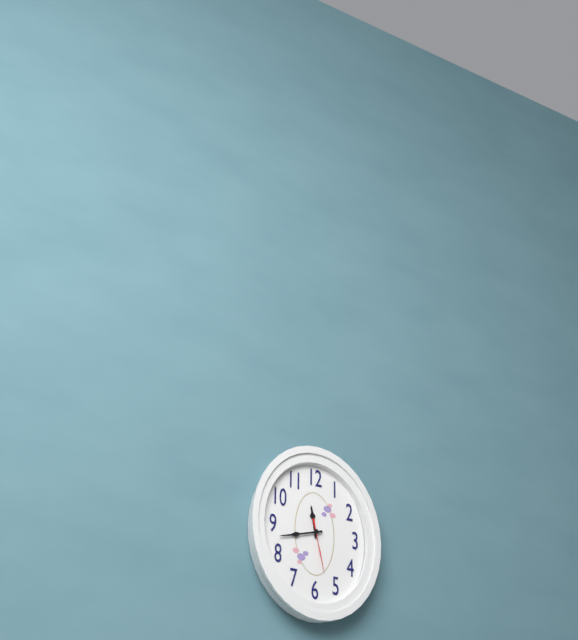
**11:42:28**
